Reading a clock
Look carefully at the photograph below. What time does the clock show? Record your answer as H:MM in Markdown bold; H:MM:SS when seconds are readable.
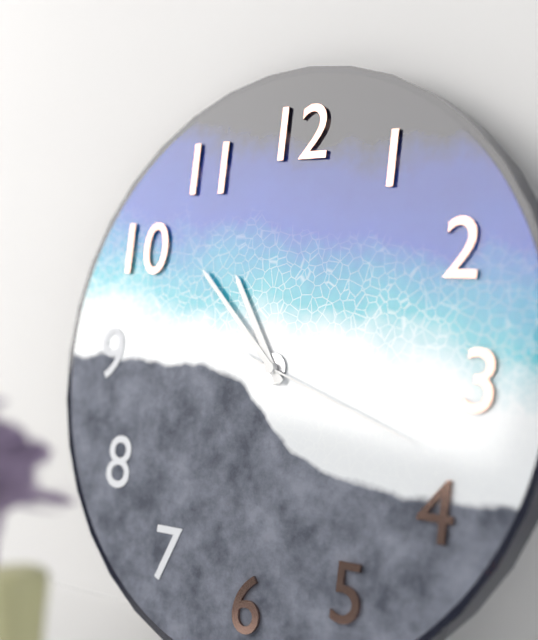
**10:52:18**
